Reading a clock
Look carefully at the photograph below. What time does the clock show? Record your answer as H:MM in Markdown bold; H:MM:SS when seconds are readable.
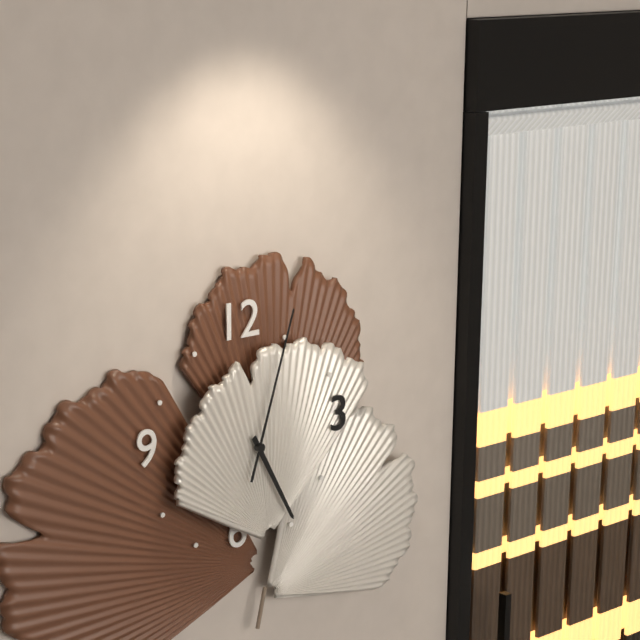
**5:03**
